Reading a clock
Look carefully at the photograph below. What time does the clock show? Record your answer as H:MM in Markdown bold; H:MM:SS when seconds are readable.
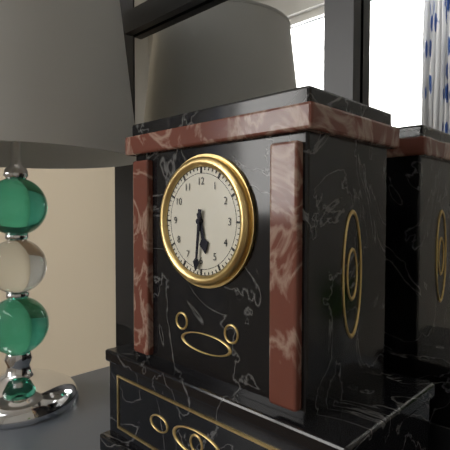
**5:31**
